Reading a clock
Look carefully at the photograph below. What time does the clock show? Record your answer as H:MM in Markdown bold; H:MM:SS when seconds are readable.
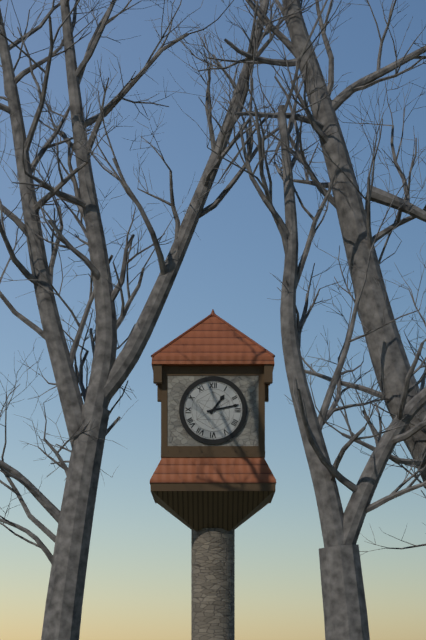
**1:13**
